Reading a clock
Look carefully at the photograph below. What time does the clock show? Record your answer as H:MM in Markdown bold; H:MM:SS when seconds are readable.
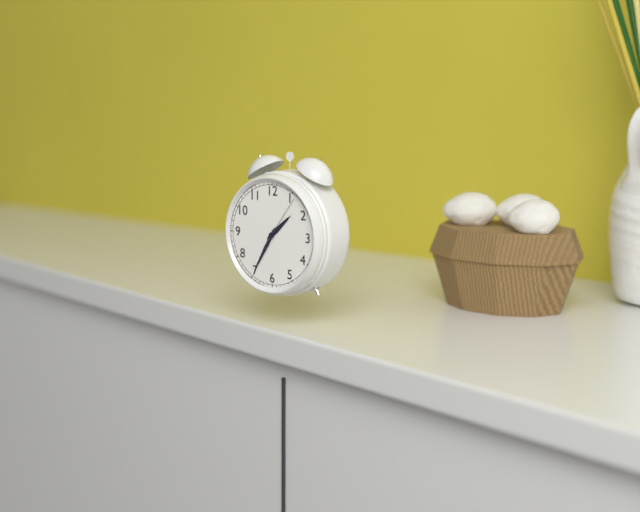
**1:35:06**
